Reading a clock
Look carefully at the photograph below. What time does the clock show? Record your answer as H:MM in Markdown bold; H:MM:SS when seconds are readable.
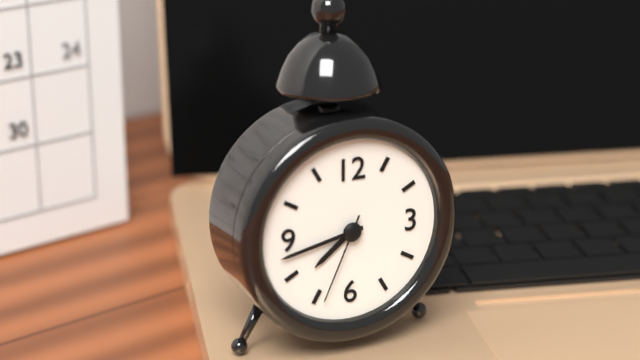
**7:43:34**
